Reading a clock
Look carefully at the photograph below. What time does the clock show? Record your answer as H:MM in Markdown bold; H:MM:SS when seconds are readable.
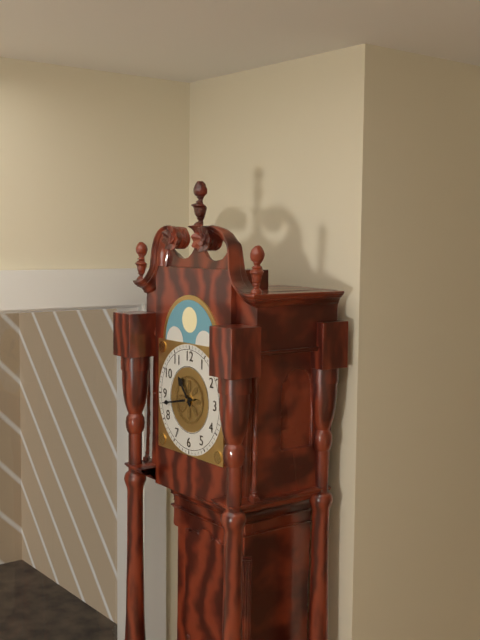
**10:43**
